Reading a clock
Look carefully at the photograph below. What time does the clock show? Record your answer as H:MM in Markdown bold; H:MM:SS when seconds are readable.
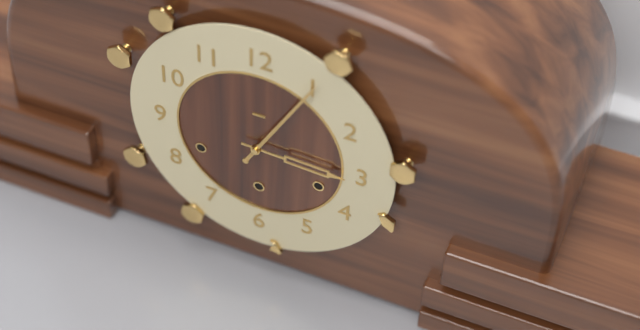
**3:05**
